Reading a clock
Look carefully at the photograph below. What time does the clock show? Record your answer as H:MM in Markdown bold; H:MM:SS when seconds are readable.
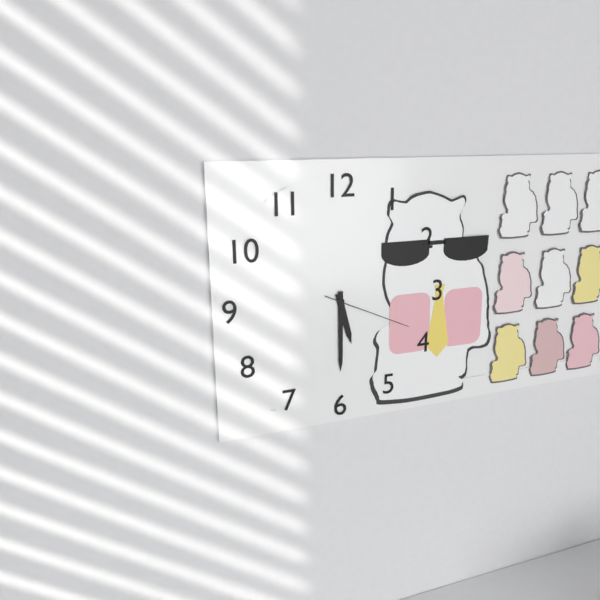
**5:30:19**
